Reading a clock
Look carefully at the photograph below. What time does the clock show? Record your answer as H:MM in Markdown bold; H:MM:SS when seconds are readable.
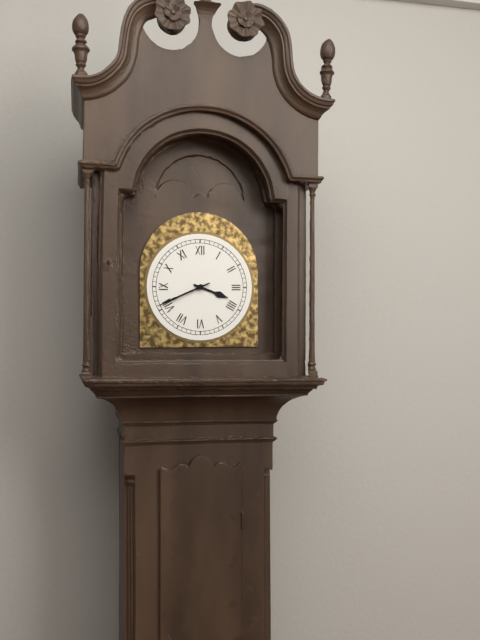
**3:41**
